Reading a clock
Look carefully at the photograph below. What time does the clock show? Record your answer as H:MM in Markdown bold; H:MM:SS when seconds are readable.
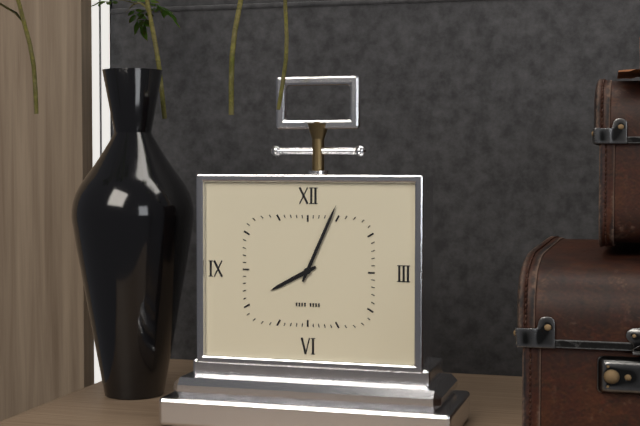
**8:04**
